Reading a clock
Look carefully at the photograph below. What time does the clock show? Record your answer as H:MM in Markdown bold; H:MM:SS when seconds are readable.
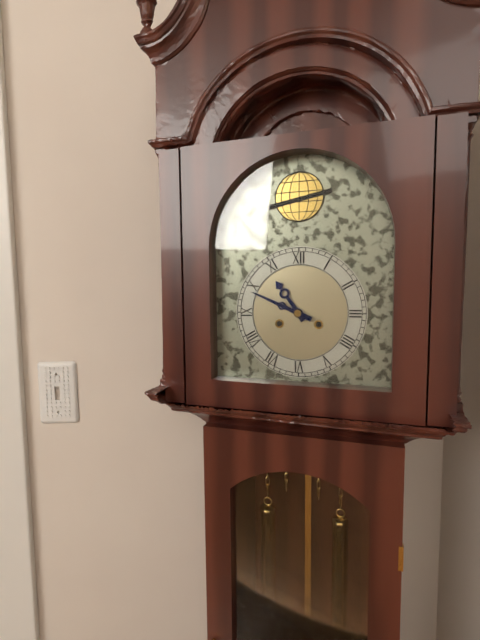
**10:49**
